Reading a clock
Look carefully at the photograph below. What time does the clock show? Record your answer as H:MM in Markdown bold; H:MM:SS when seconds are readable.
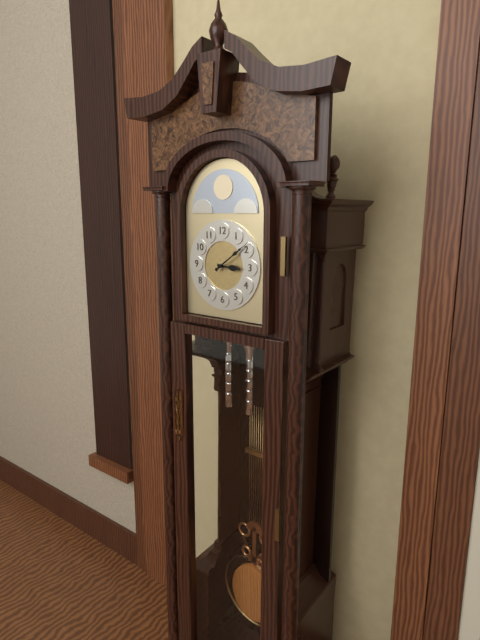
**3:09**
